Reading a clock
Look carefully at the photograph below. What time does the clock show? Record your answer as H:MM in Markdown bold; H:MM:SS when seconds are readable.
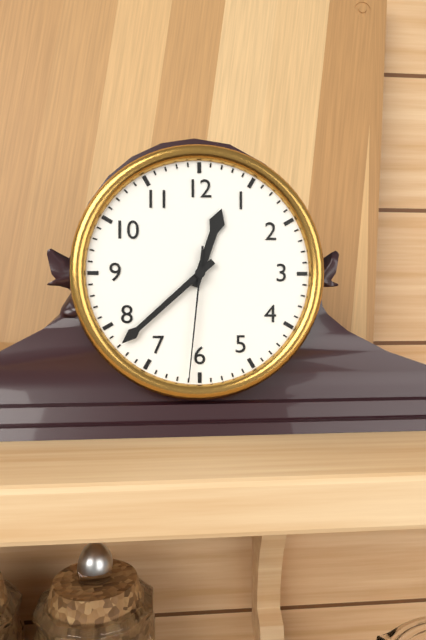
**12:38:31**
